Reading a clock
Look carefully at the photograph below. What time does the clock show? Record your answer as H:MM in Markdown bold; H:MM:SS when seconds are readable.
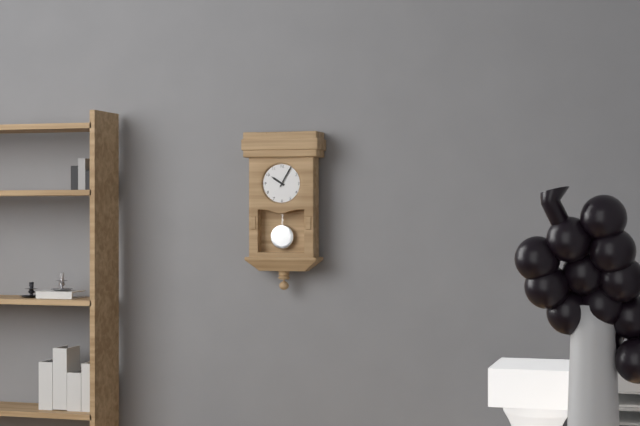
**10:05**
